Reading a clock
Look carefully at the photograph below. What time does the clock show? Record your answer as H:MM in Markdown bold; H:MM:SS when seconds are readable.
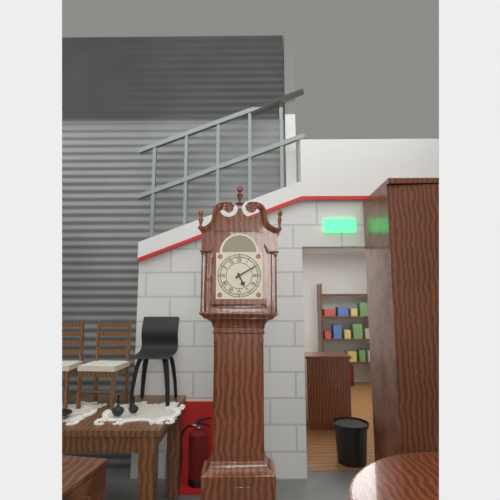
**5:10**
